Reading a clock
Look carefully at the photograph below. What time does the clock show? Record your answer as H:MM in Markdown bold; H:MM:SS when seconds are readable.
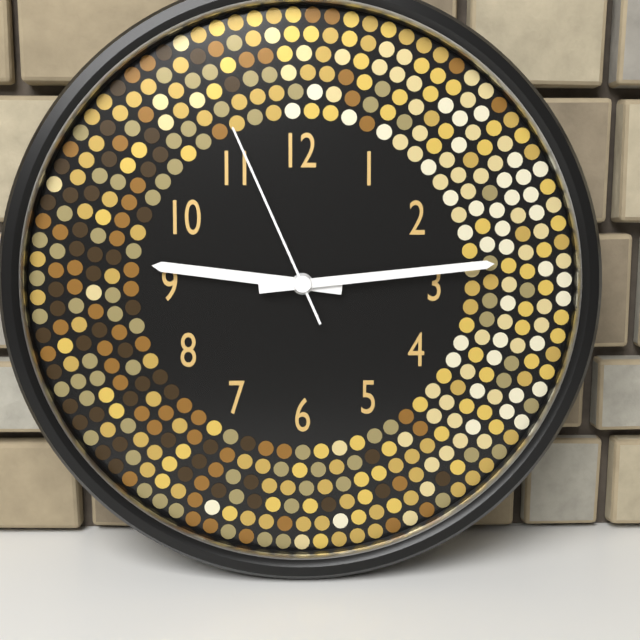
**9:14:56**
